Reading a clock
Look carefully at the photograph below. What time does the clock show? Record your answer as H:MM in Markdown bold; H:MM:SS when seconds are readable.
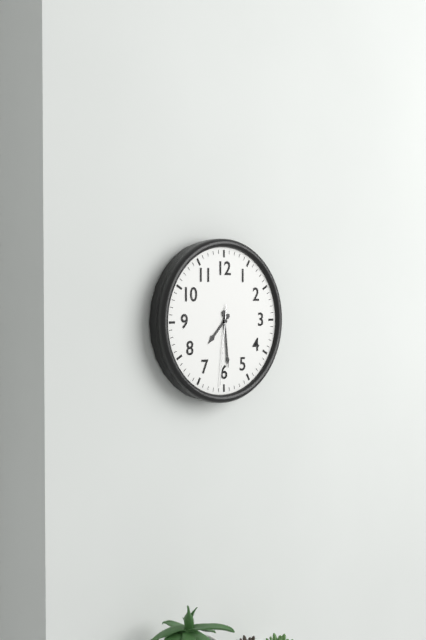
**7:29:31**
